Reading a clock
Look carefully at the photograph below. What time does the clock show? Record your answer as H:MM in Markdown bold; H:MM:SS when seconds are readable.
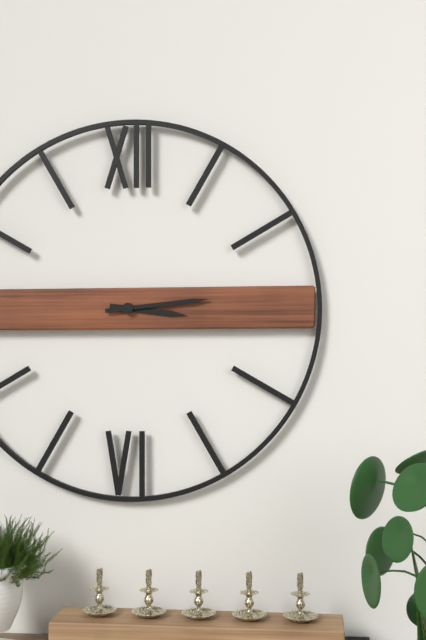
**3:14**
